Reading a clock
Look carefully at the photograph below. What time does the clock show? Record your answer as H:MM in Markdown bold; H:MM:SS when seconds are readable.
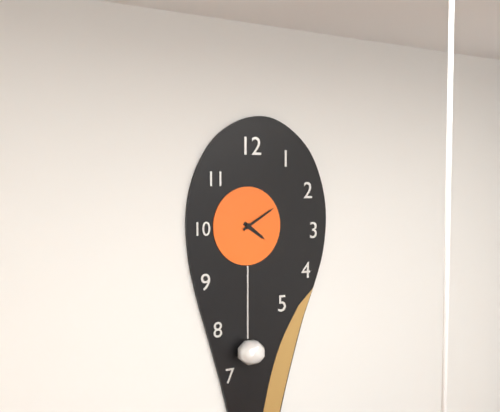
**4:10**
